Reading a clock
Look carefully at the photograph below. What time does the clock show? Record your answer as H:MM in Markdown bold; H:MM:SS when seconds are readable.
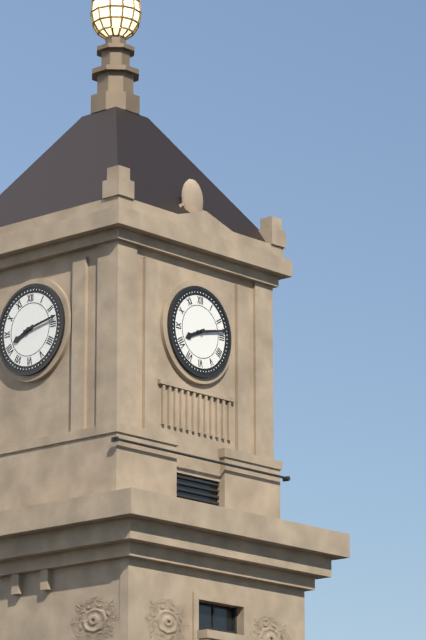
**8:13**
